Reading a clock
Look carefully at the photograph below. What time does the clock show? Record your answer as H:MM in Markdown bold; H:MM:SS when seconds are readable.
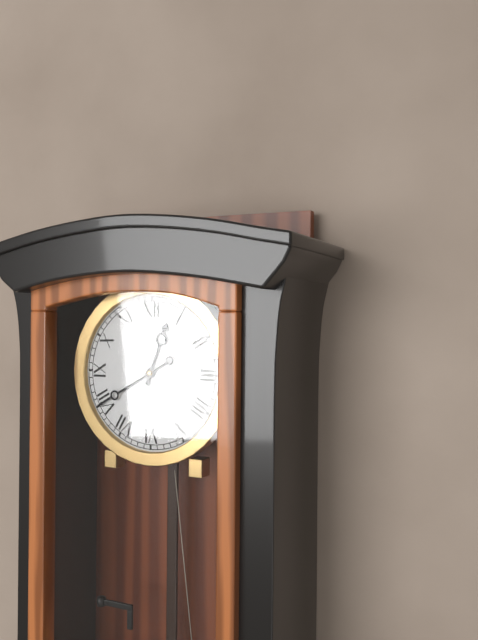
**12:40**
